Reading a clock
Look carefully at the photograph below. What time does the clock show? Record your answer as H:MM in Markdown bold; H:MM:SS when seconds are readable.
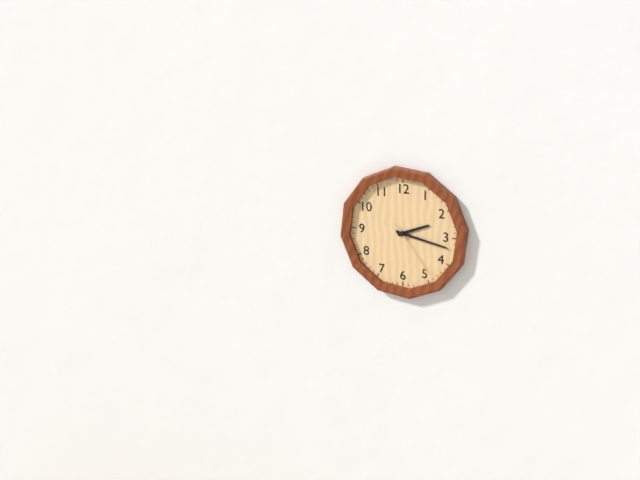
**2:17:24**
